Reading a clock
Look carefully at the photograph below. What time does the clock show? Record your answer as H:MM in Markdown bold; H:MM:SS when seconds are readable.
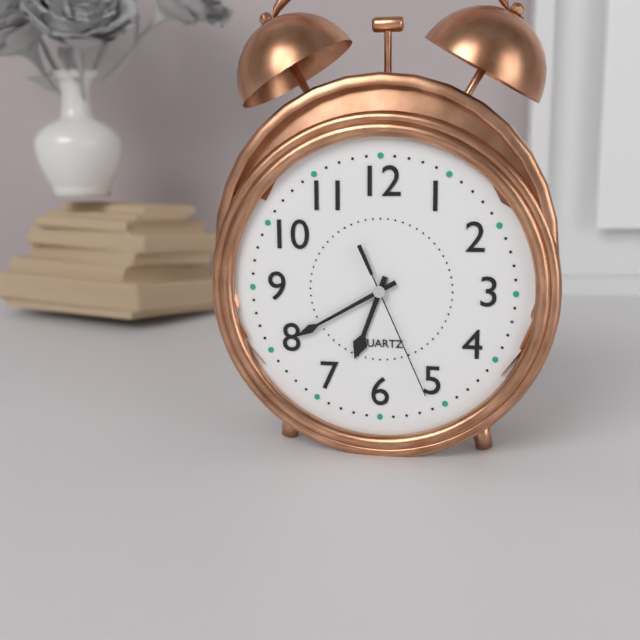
**6:40:26**
